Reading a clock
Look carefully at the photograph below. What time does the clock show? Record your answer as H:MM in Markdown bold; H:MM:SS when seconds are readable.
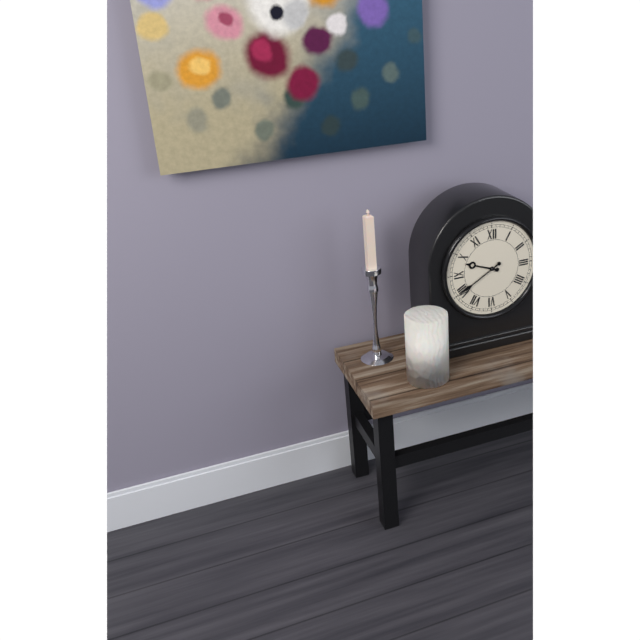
**9:40**
